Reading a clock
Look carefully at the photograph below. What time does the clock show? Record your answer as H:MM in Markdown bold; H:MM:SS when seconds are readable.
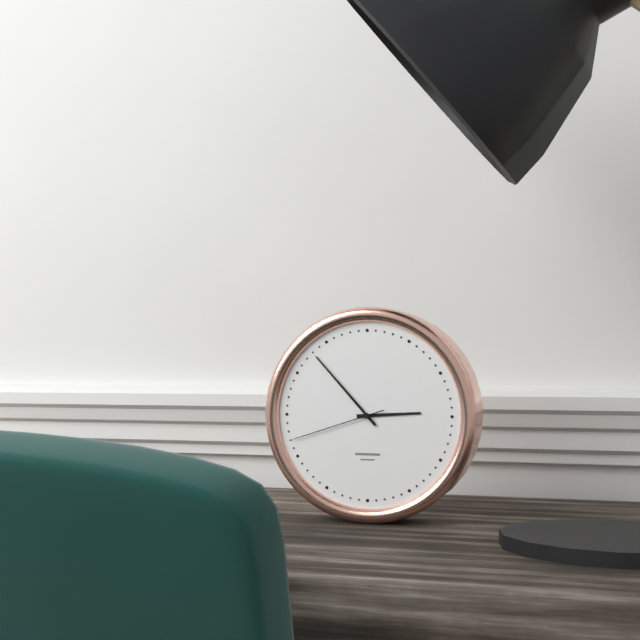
**2:53:42**
